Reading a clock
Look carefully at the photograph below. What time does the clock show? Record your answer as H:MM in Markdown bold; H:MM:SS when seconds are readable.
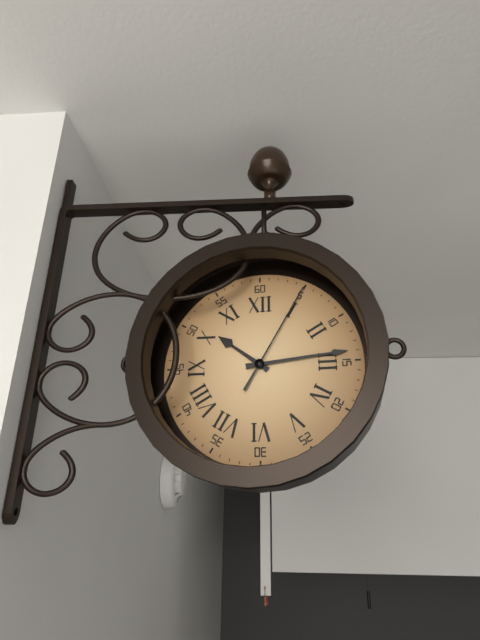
**10:14:05**
